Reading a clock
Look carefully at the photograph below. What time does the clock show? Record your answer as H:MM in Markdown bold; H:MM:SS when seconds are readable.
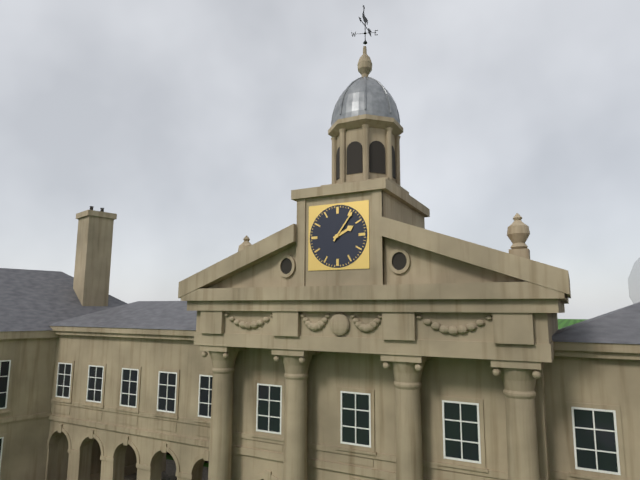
**2:06**
